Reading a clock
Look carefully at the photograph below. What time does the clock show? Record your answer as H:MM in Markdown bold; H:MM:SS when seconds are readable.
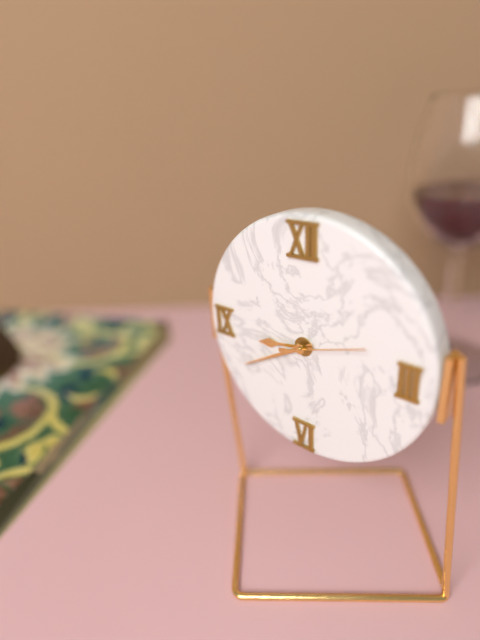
**8:40:12**
